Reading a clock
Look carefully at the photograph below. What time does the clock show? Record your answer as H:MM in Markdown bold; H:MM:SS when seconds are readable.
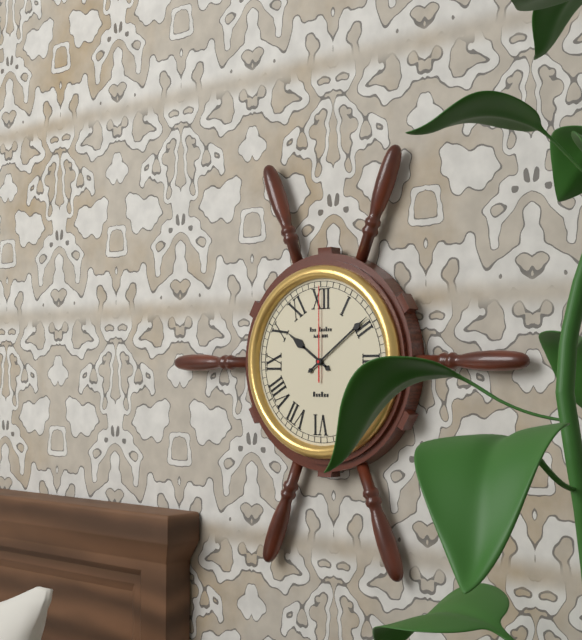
**10:09:00**
